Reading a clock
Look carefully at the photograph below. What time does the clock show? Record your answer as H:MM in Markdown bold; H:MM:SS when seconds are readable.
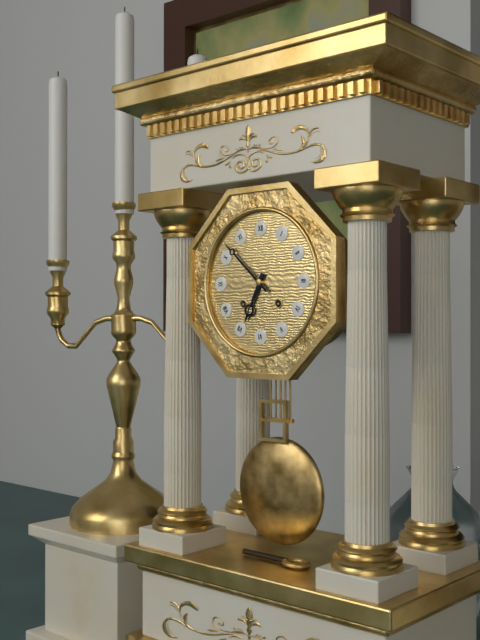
**6:52**
